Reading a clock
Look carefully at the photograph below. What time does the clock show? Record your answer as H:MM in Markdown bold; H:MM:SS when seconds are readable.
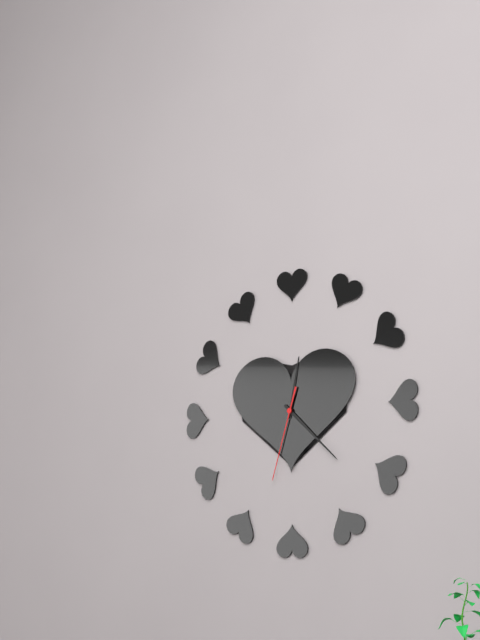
**12:22:33**
